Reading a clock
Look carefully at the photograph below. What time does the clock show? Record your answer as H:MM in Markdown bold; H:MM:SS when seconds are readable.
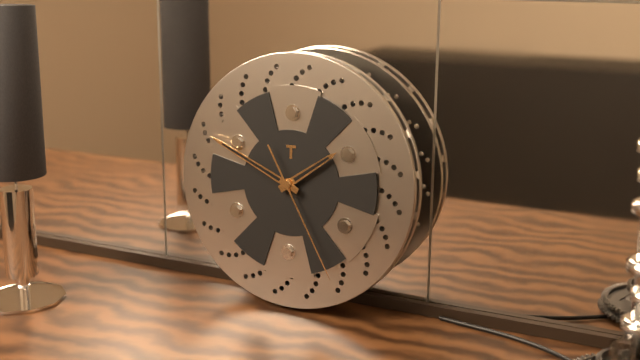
**1:49:25**
